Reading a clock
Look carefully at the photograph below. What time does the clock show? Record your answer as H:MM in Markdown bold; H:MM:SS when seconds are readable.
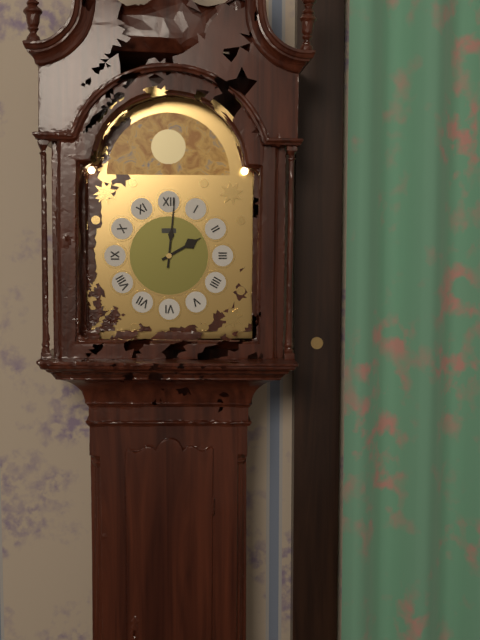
**2:01**
